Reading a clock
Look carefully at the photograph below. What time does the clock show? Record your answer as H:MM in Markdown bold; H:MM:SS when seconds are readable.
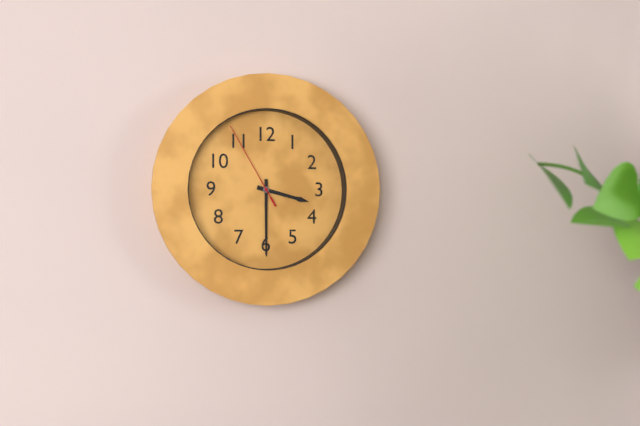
**3:30:55**
